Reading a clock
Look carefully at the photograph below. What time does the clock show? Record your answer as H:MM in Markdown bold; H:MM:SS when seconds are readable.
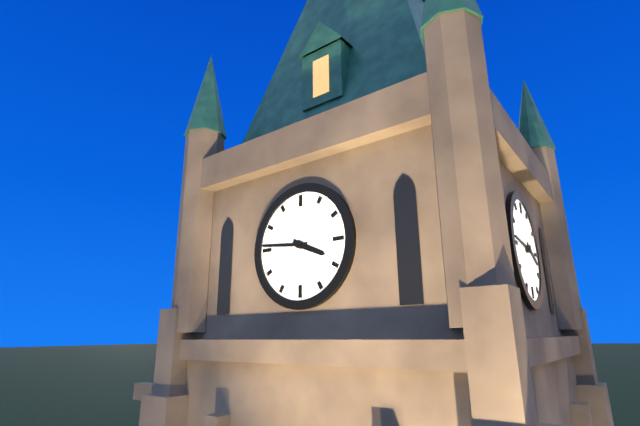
**3:46**
